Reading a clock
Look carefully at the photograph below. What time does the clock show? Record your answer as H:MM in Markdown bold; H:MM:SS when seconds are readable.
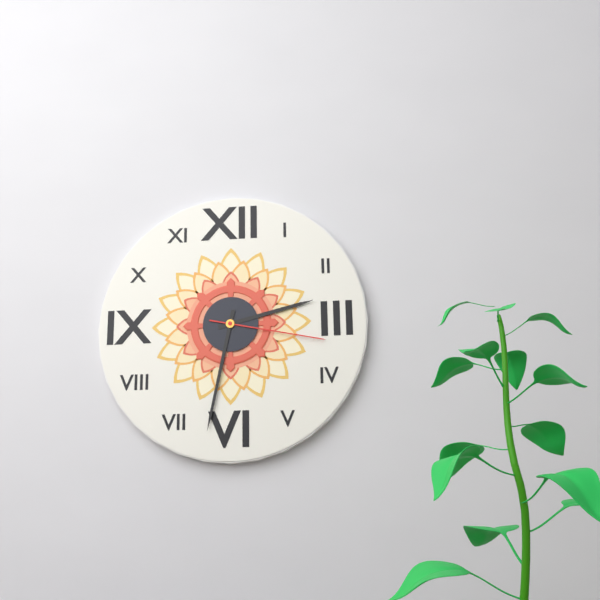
**2:32:17**
